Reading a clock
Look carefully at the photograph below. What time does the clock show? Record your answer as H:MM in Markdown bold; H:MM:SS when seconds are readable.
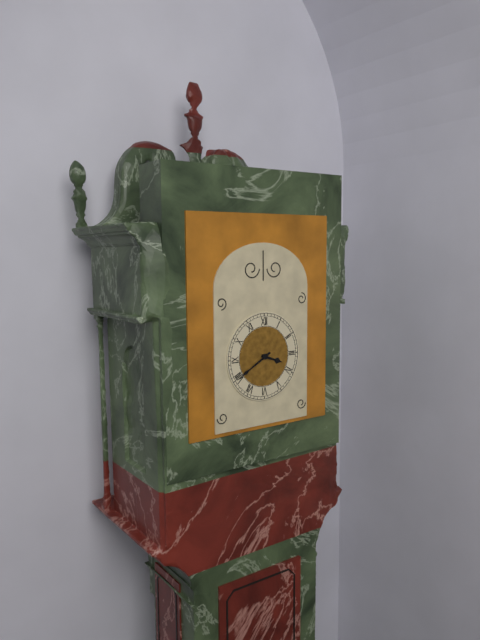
**3:40**
